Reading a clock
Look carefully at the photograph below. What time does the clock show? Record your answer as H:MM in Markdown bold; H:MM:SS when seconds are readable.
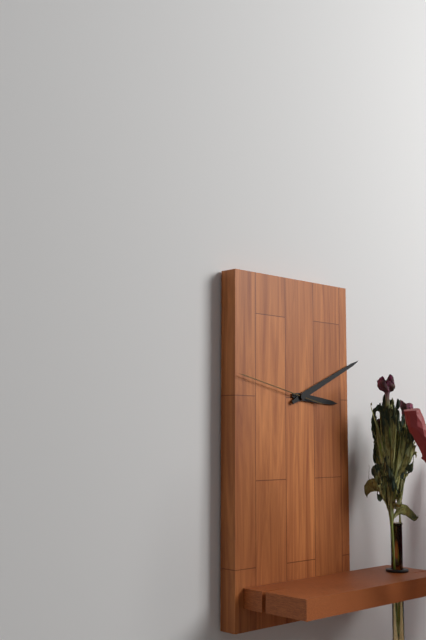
**3:11:47**
